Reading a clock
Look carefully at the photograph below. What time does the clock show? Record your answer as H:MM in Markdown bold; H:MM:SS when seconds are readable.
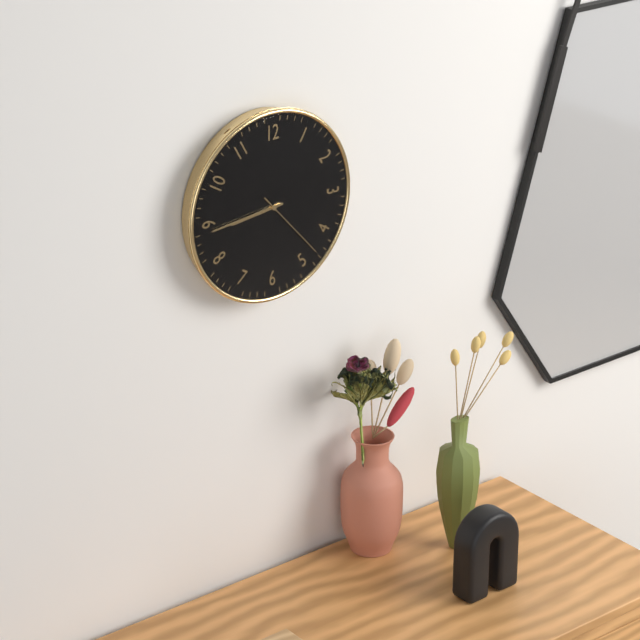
**8:44:23**
